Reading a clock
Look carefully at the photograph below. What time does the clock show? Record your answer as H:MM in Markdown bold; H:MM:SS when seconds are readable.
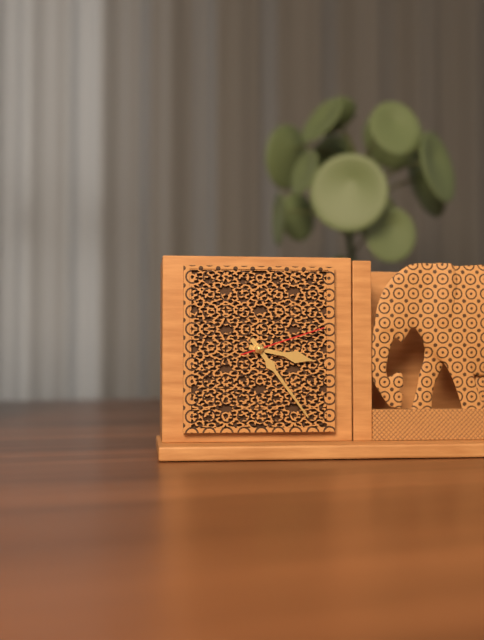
**3:24:12**
